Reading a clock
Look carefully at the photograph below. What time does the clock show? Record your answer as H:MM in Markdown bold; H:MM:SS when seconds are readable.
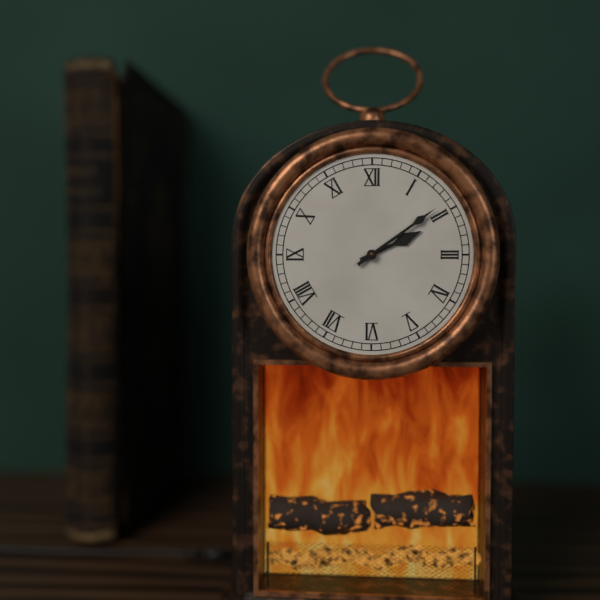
**2:09**
